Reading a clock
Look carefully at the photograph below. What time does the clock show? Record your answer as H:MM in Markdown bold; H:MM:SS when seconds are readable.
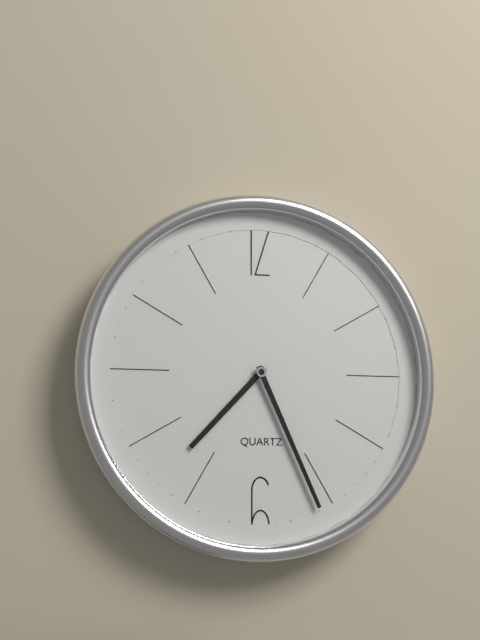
**7:26**
